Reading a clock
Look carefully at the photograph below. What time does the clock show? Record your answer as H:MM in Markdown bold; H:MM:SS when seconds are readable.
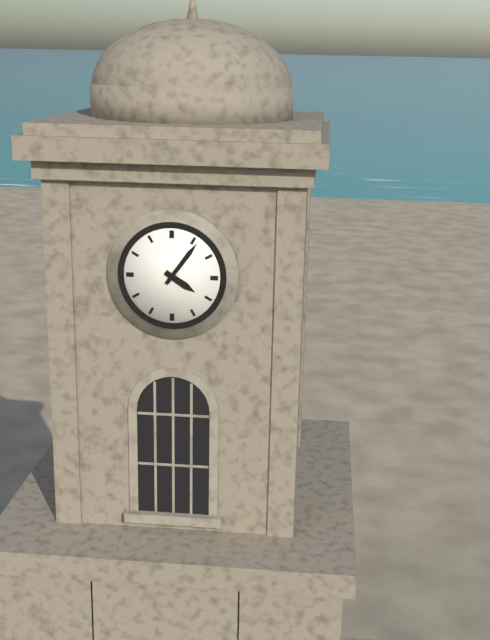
**4:06**
